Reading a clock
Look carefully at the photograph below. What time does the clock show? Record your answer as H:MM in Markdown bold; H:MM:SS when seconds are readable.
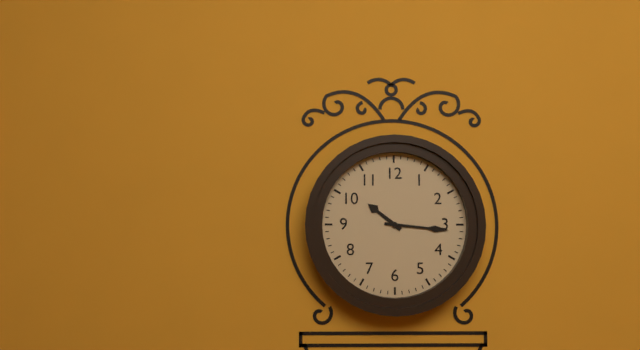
**10:16**
